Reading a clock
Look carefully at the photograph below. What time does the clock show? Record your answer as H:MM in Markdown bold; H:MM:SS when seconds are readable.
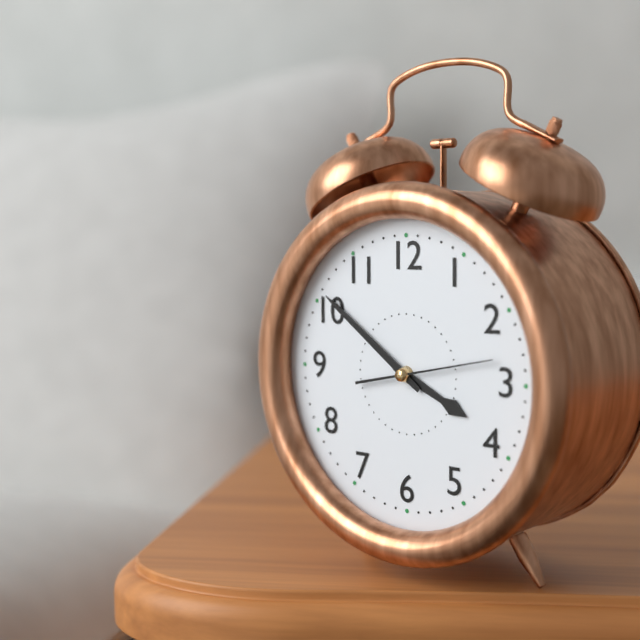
**3:51:13**
